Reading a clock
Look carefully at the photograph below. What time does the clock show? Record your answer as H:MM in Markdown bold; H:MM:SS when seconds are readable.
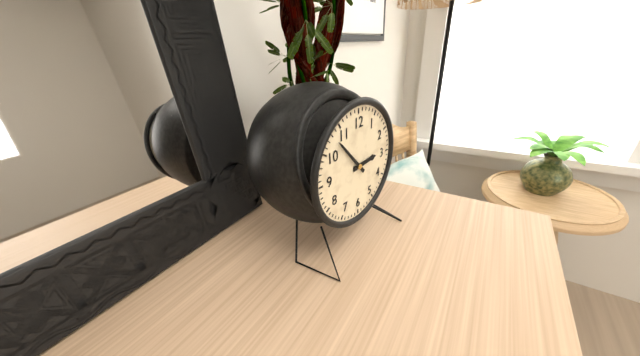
**2:53**
